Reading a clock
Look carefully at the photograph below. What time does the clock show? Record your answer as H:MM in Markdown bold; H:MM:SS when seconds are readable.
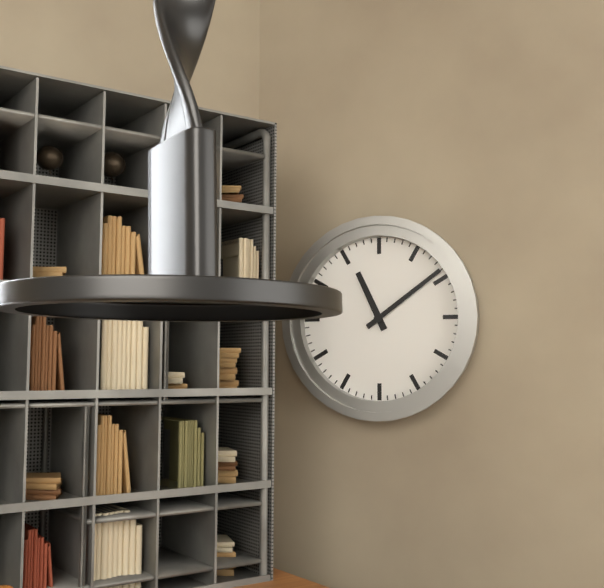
**11:09**
